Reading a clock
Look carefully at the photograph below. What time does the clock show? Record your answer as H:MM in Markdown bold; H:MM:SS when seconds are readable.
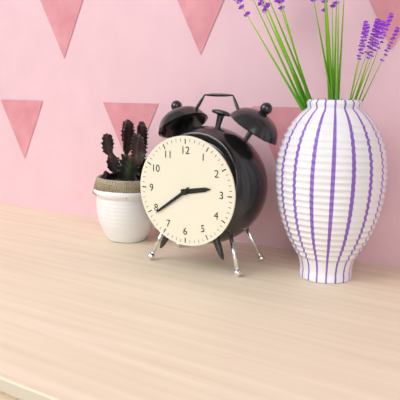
**2:39**
